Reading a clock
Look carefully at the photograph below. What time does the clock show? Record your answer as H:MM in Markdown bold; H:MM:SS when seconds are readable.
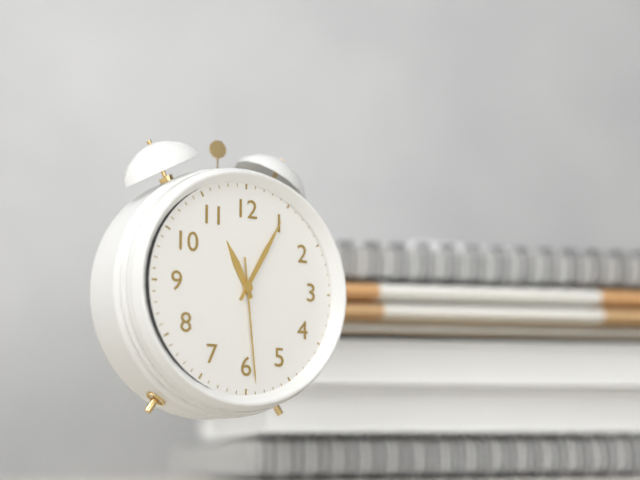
**11:05:29**
